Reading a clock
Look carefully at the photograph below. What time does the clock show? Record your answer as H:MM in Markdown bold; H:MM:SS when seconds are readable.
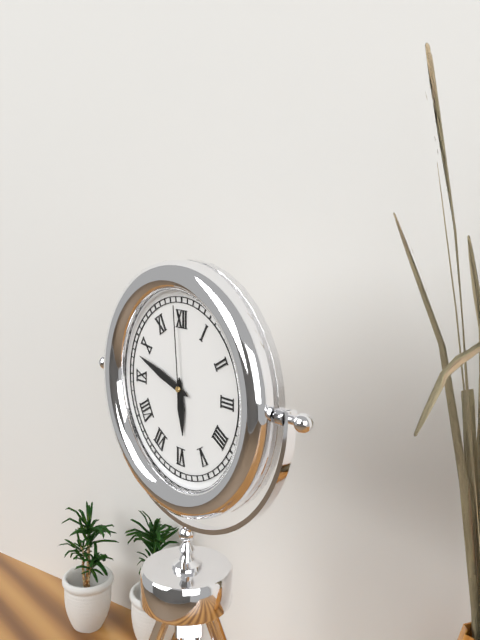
**5:48:59**
